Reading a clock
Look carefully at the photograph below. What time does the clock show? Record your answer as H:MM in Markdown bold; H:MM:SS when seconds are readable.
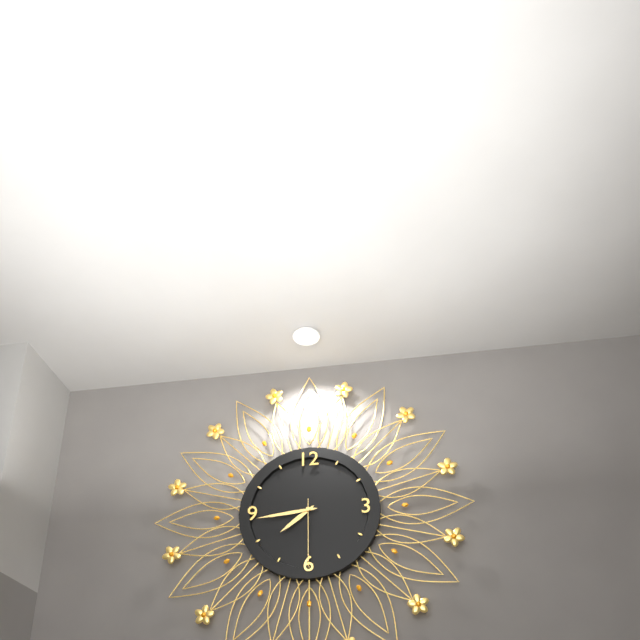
**7:44:30**
